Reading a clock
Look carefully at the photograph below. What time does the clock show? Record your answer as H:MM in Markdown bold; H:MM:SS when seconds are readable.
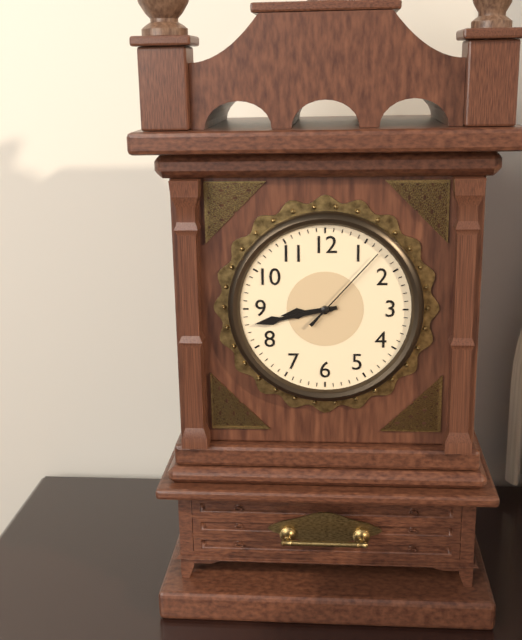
**8:43:07**
